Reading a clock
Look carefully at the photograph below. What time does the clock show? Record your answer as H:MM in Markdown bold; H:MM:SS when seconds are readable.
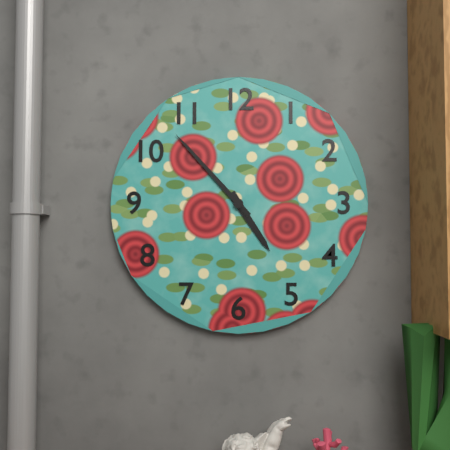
**4:53**
